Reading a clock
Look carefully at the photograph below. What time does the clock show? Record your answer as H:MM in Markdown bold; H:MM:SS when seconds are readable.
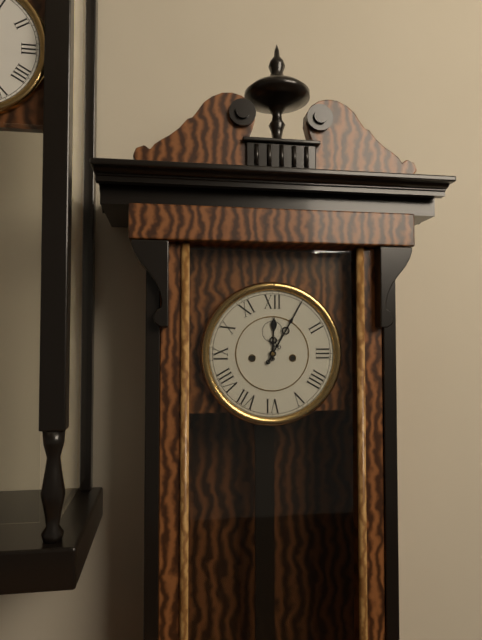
**12:05**
